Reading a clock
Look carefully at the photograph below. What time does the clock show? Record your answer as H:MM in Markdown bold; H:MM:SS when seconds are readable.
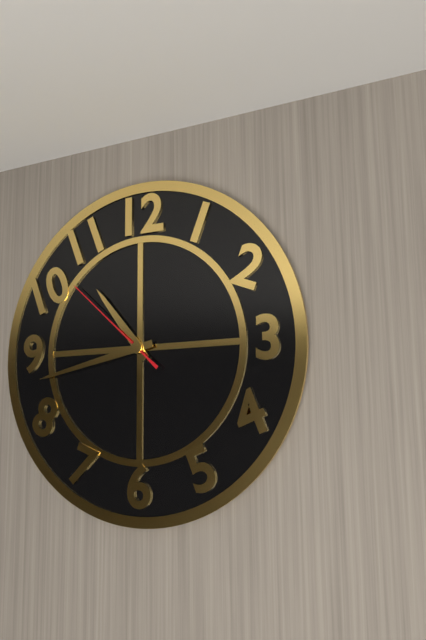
**10:43:52**
